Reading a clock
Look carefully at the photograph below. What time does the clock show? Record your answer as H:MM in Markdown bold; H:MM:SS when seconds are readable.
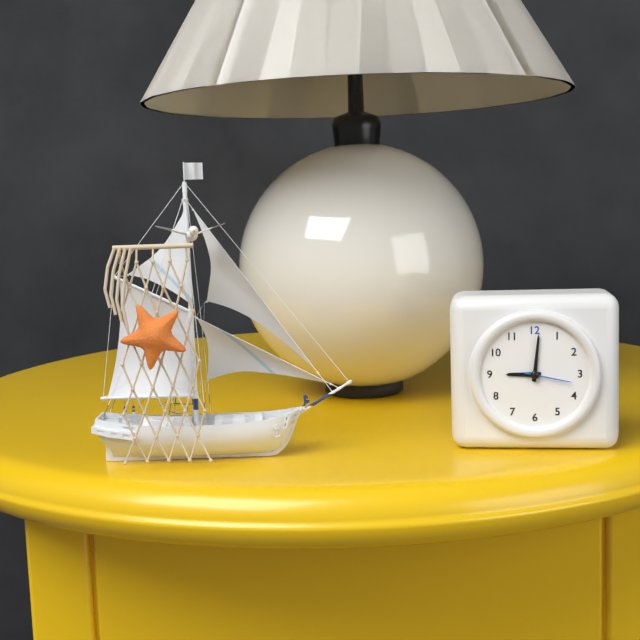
**9:01**
